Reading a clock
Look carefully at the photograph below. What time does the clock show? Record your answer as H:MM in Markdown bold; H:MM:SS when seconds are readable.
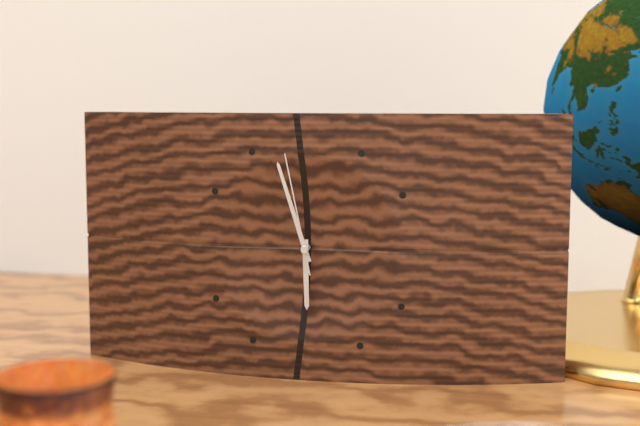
**5:57:58**
